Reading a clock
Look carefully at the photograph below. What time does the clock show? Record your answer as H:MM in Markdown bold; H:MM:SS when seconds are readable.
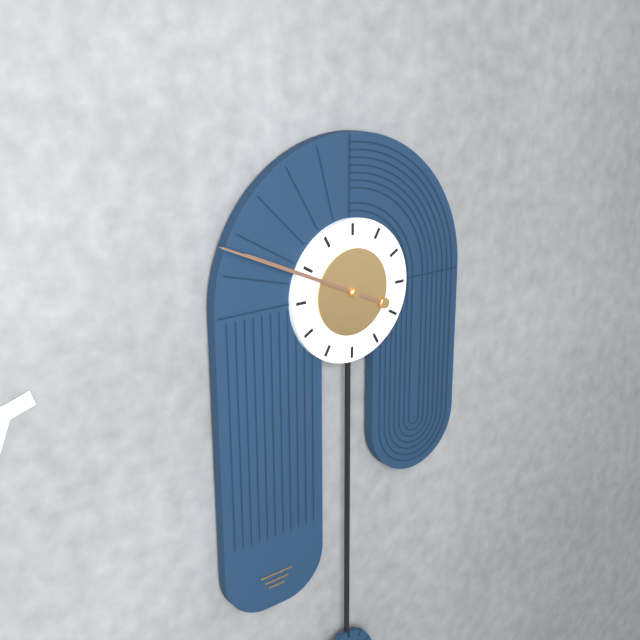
**9:49**
